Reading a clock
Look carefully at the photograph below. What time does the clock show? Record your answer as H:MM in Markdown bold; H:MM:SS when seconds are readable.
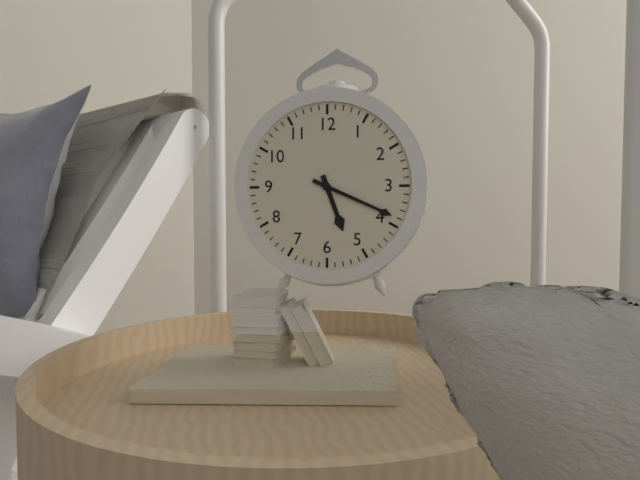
**5:19**
